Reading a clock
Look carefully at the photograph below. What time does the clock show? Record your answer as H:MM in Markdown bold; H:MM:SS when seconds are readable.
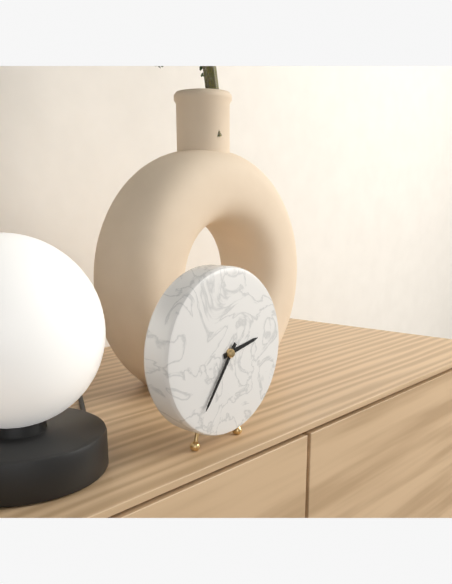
**2:36**
